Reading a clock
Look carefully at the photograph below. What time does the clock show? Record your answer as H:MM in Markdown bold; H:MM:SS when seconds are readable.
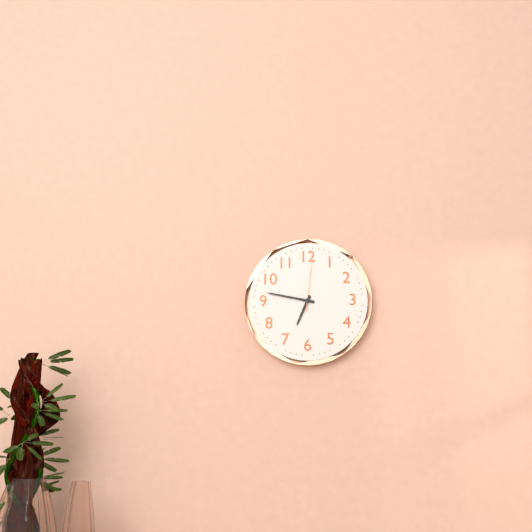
**6:47:01**
